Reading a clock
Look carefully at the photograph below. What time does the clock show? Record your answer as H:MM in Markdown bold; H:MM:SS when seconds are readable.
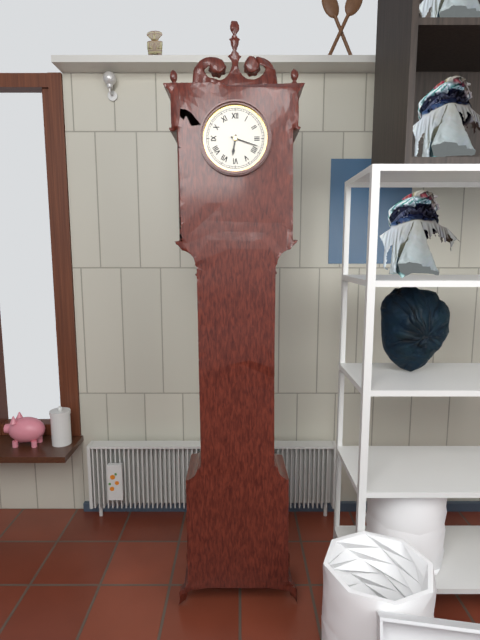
**6:18**
